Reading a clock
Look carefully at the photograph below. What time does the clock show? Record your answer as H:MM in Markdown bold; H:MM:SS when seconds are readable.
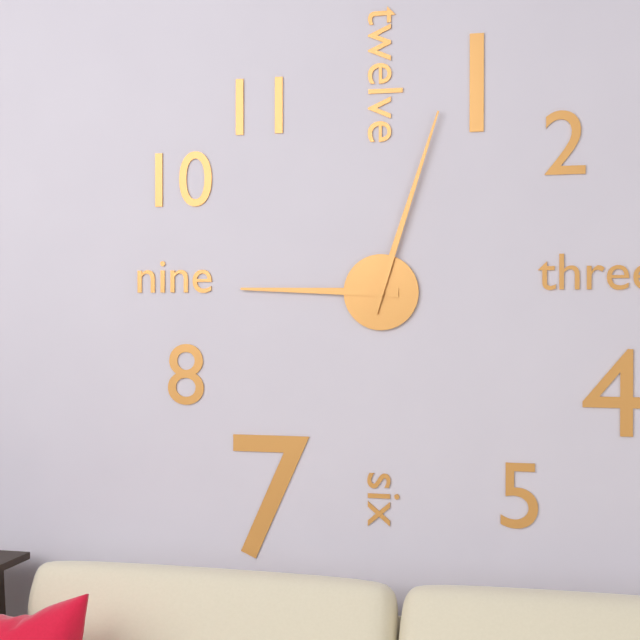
**9:03**
